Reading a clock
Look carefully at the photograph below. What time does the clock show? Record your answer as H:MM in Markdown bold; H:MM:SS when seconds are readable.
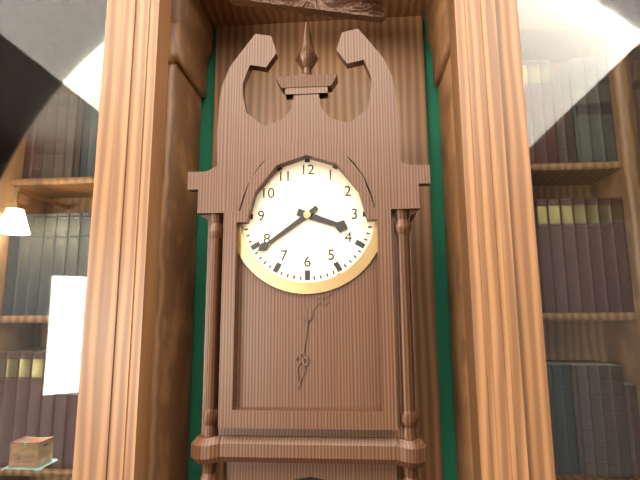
**3:39**
